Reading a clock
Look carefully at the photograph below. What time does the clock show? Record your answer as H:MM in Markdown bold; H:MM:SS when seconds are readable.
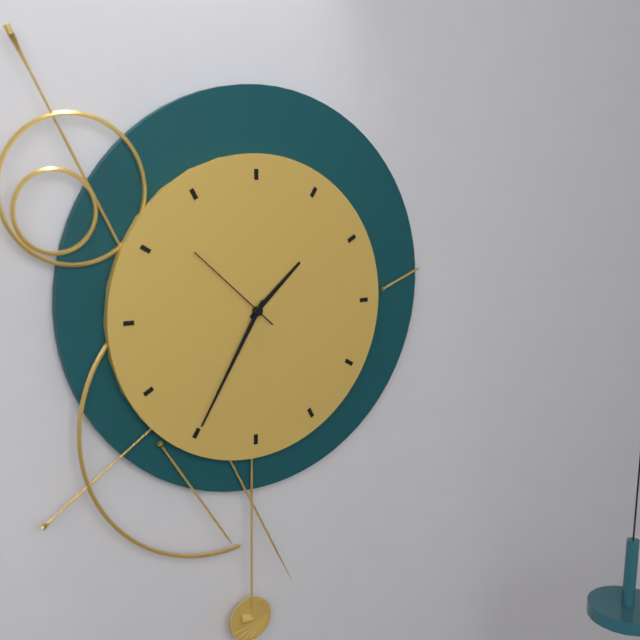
**1:35:52**
